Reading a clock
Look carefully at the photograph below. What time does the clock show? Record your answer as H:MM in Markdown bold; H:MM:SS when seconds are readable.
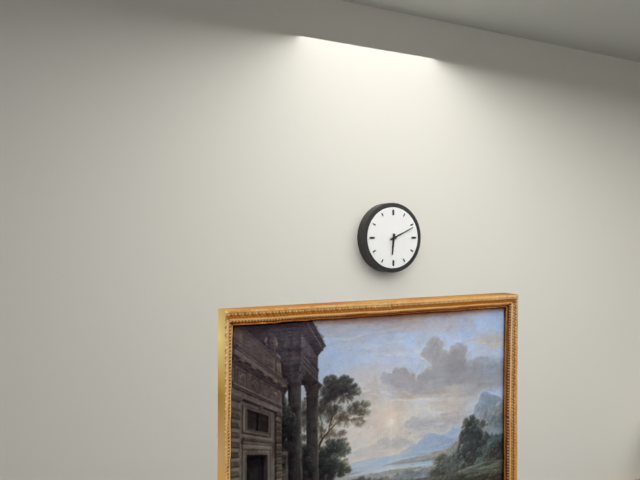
**6:11**
